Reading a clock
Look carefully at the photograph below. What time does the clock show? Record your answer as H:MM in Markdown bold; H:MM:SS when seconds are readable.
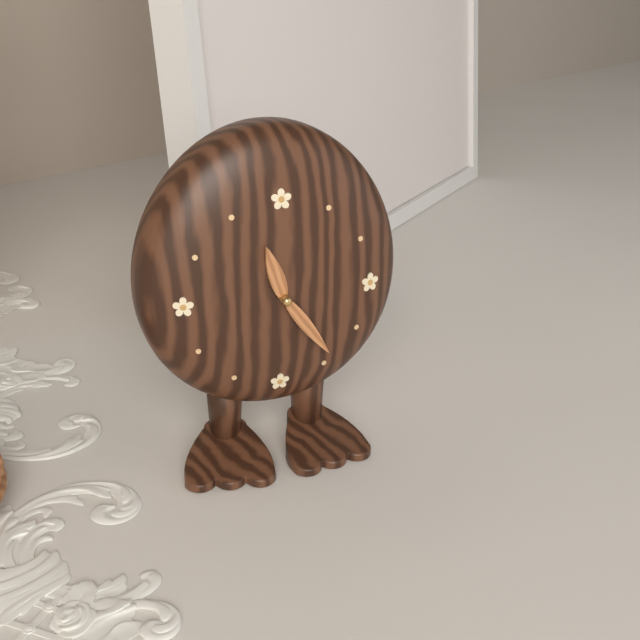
**11:24**
